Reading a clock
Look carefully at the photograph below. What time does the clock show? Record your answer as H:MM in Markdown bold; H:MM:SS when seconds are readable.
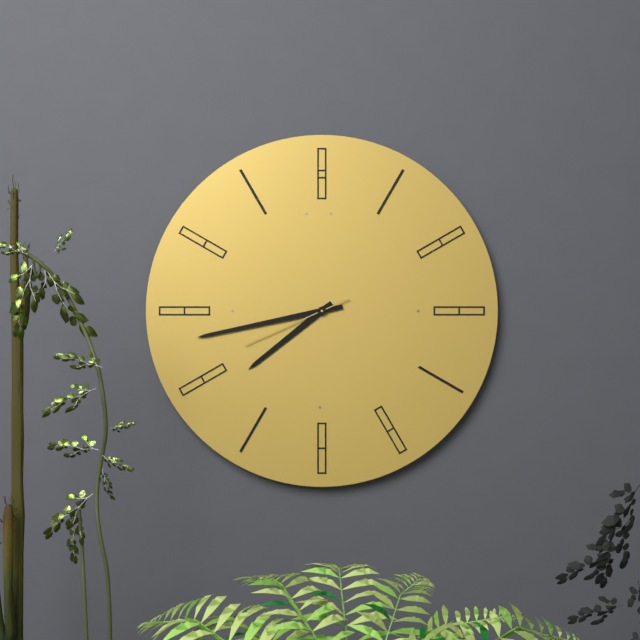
**7:43:41**
